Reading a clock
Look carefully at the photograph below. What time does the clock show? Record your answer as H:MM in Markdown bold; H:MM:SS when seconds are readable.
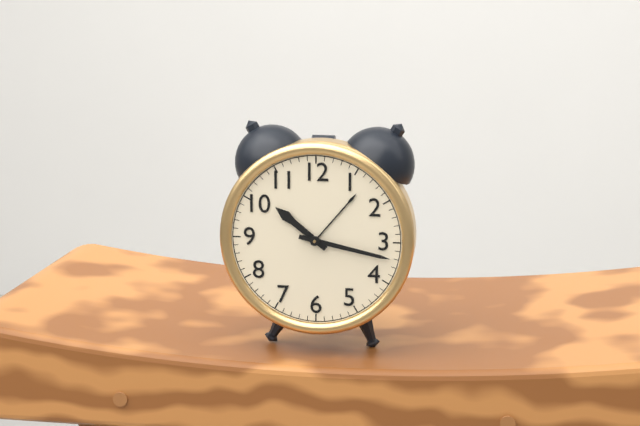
**10:17**
